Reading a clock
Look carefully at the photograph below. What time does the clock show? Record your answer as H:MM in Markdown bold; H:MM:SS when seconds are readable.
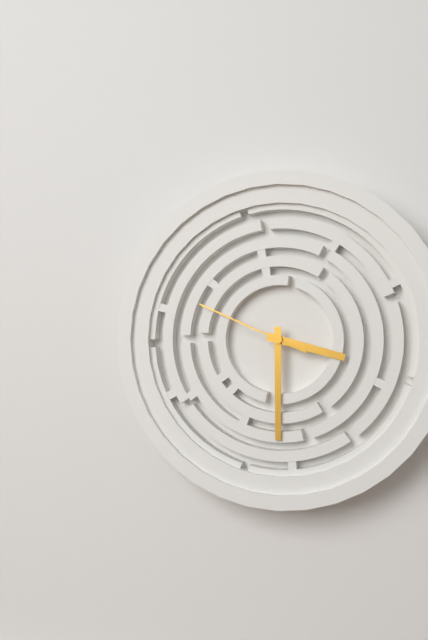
**3:30:49**
